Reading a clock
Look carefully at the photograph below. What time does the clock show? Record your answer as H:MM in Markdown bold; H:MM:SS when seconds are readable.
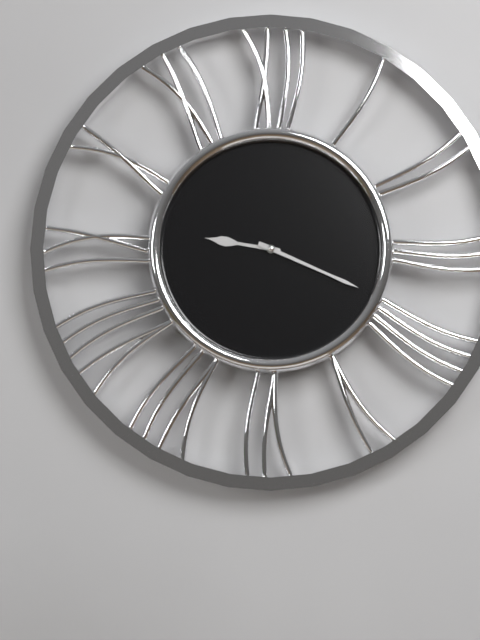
**9:19**
